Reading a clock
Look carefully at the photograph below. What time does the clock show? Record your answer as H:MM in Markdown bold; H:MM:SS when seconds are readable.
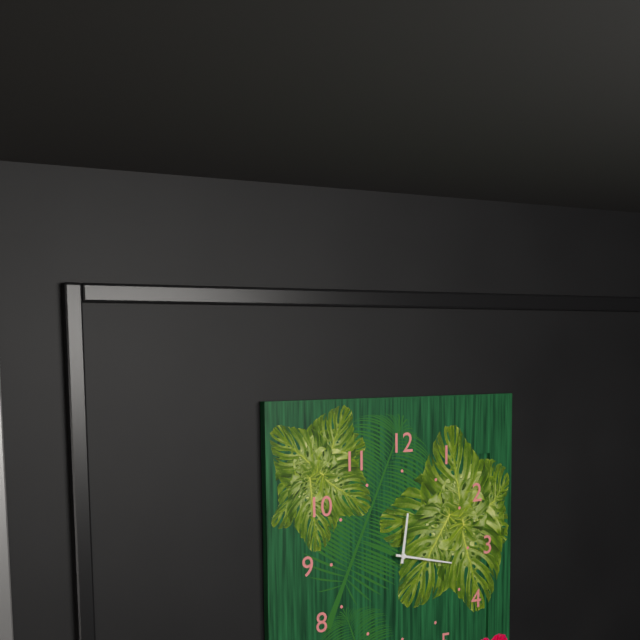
**12:17**
